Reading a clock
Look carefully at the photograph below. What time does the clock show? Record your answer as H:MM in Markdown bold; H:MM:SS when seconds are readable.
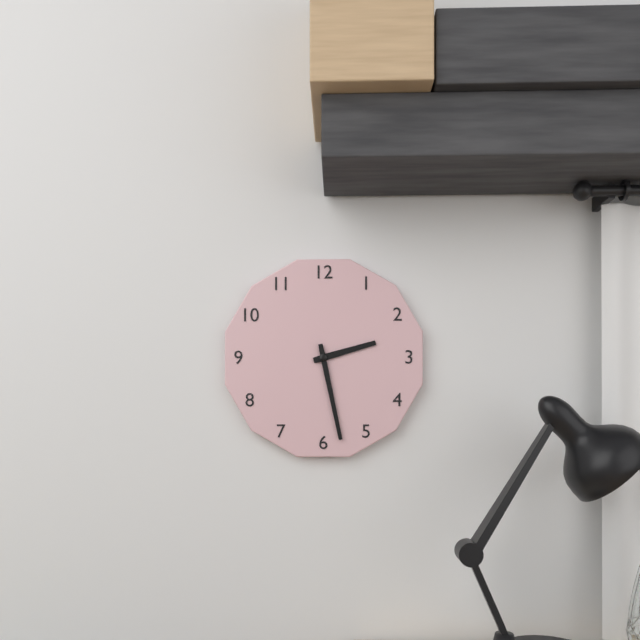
**2:28**
